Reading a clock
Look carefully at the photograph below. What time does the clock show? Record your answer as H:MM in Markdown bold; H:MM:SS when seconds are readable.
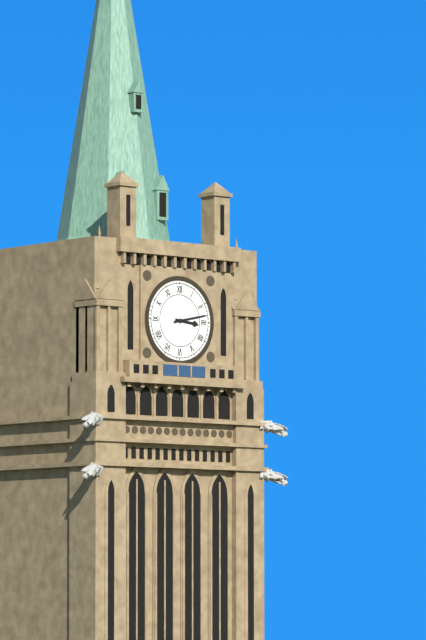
**3:13**
